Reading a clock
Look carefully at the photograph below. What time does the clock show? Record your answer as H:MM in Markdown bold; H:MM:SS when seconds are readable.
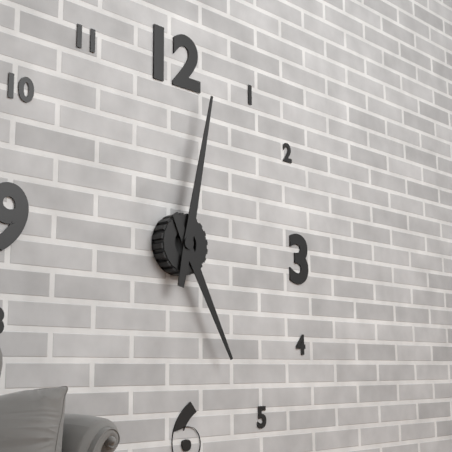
**5:02**
